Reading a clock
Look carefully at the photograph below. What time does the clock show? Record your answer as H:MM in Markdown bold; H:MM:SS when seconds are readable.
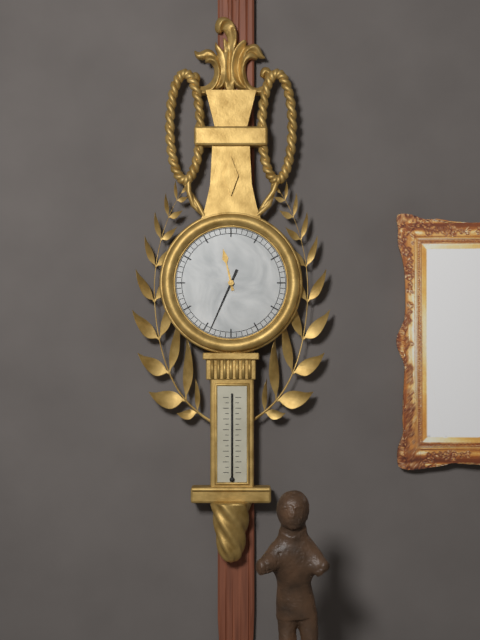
**11:34**
